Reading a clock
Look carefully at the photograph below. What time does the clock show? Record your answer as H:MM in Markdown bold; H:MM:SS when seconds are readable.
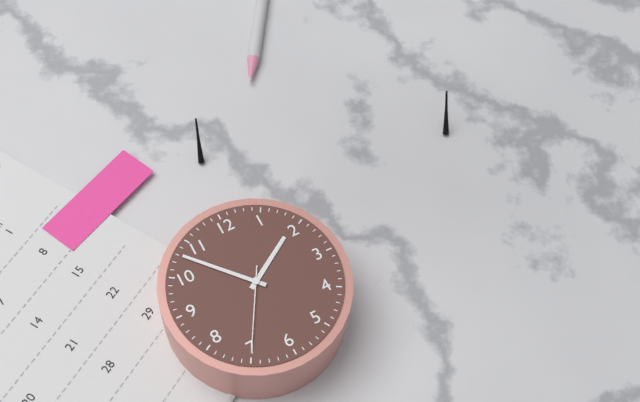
**1:53:35**
